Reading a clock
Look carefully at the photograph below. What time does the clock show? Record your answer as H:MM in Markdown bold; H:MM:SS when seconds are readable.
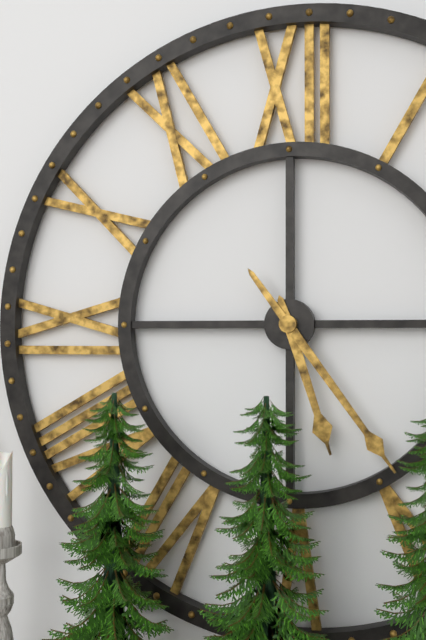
**5:24**
